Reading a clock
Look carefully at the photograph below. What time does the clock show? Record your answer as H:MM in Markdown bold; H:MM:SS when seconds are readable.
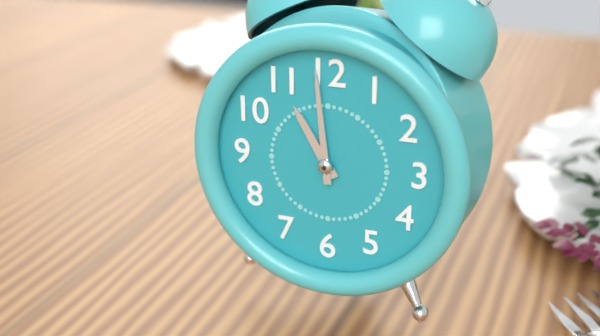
**10:59**
